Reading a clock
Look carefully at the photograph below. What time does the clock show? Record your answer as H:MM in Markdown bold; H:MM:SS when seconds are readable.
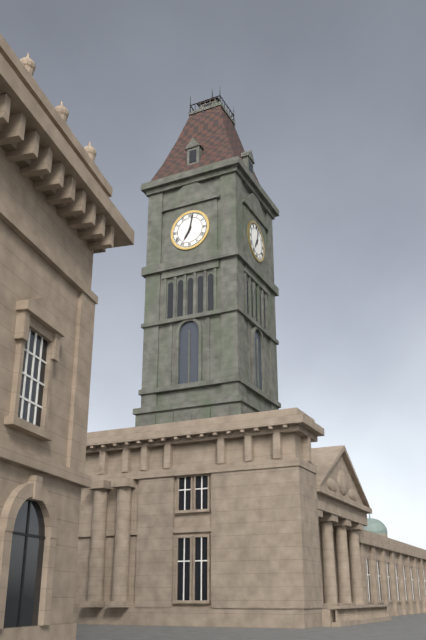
**7:02**
